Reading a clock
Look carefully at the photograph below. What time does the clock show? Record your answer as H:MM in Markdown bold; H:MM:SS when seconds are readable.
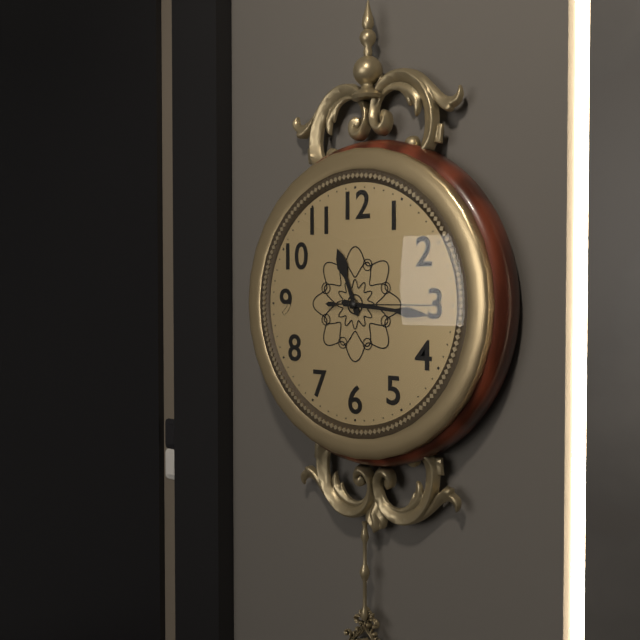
**11:16:15**
